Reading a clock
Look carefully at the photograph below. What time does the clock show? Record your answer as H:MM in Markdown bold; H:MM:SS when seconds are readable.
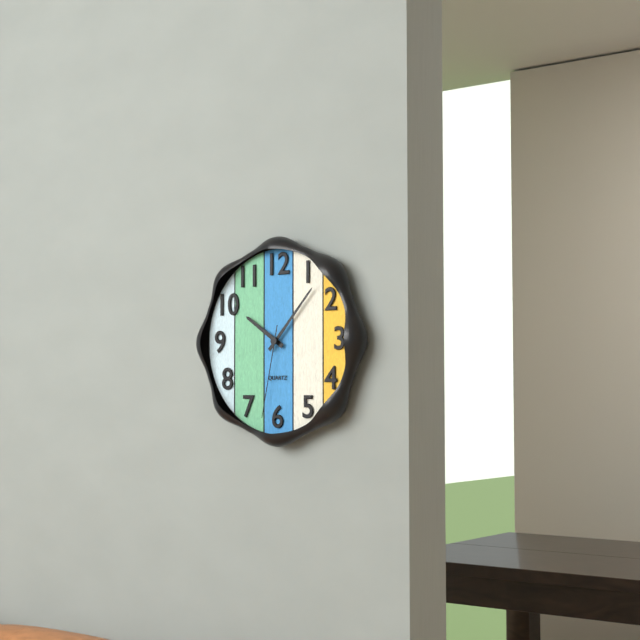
**10:07:32**
